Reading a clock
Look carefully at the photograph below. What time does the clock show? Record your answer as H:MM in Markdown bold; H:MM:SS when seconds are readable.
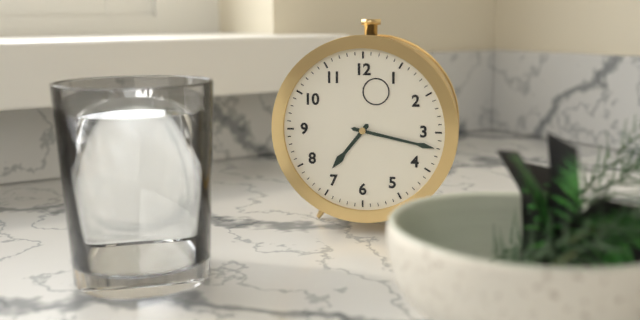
**7:17**
